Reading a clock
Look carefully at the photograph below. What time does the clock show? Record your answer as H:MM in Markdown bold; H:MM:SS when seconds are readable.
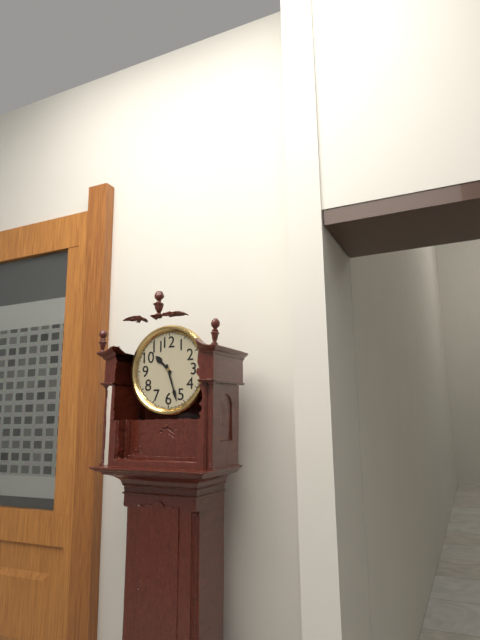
**10:27**
